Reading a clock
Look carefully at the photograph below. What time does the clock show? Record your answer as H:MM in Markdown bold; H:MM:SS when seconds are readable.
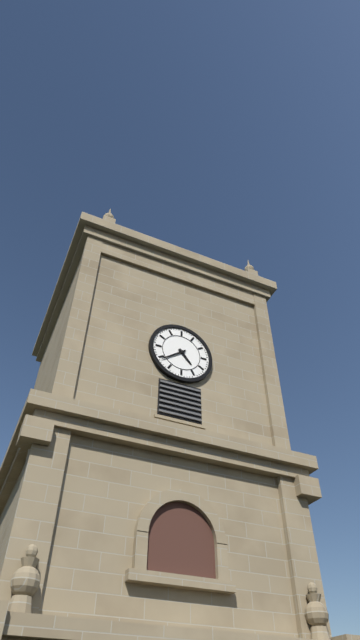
**4:39**
